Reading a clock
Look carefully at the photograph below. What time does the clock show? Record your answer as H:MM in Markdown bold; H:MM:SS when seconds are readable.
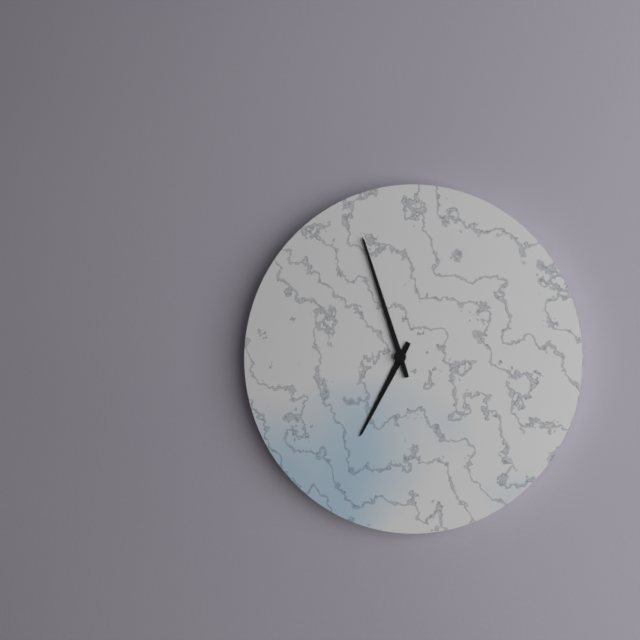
**6:57**
